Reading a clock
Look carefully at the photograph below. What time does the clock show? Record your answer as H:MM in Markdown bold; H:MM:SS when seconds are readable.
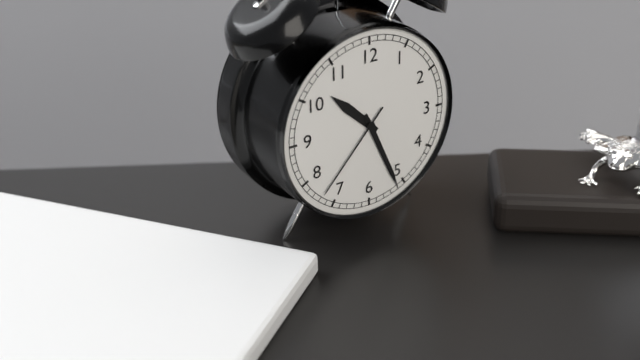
**10:26:37**
